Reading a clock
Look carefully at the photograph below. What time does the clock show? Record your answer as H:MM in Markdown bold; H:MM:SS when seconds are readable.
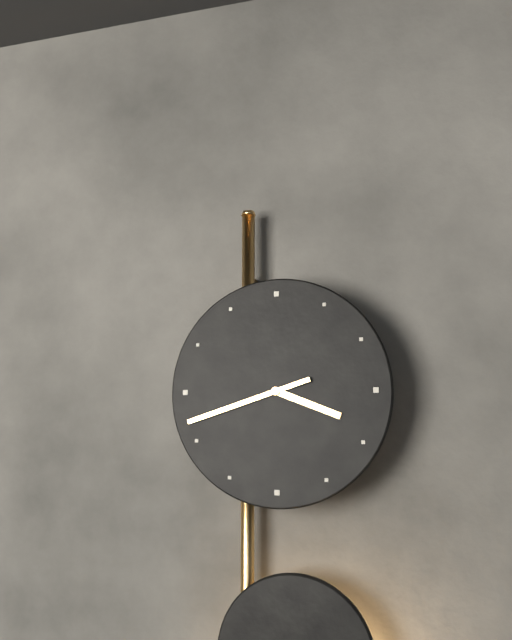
**3:42**
